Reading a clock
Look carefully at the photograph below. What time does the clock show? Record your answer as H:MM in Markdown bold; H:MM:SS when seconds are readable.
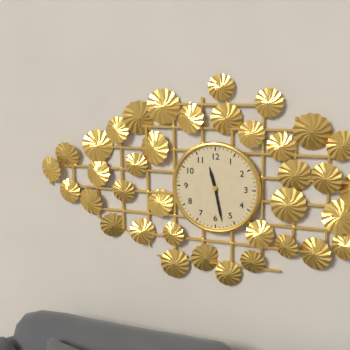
**11:28**
